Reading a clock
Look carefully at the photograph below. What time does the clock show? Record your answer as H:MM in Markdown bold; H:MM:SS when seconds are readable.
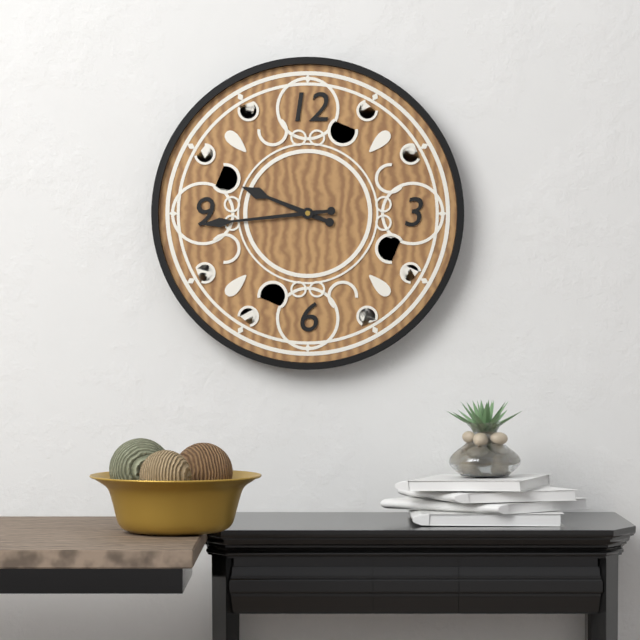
**9:44**
